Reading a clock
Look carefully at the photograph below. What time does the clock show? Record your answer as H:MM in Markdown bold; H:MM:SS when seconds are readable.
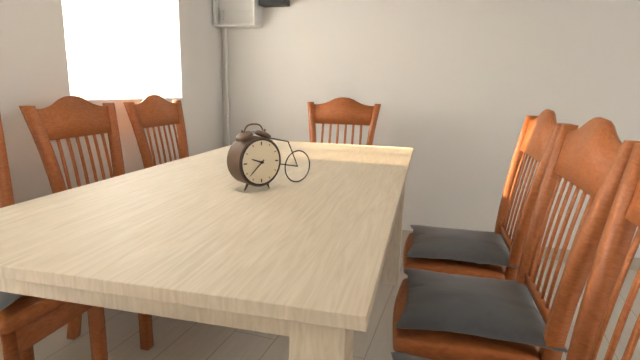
**9:38**
